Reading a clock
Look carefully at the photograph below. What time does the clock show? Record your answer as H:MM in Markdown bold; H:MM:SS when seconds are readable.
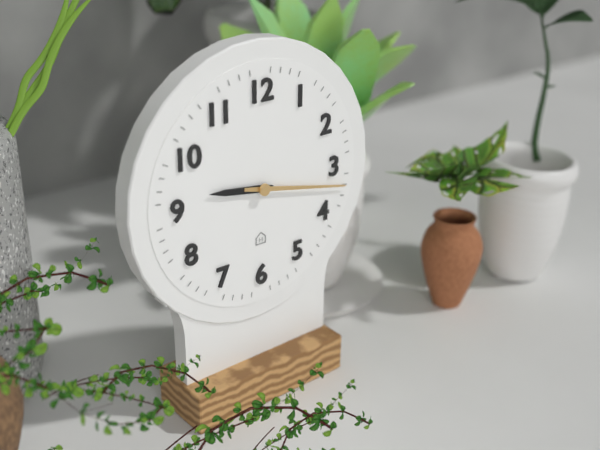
**9:17**
